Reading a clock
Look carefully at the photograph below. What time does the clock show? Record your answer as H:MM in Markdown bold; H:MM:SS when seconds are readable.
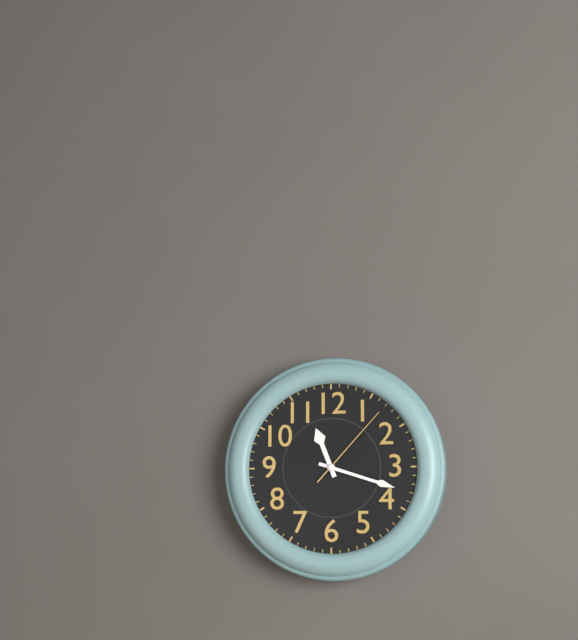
**11:18:07**
